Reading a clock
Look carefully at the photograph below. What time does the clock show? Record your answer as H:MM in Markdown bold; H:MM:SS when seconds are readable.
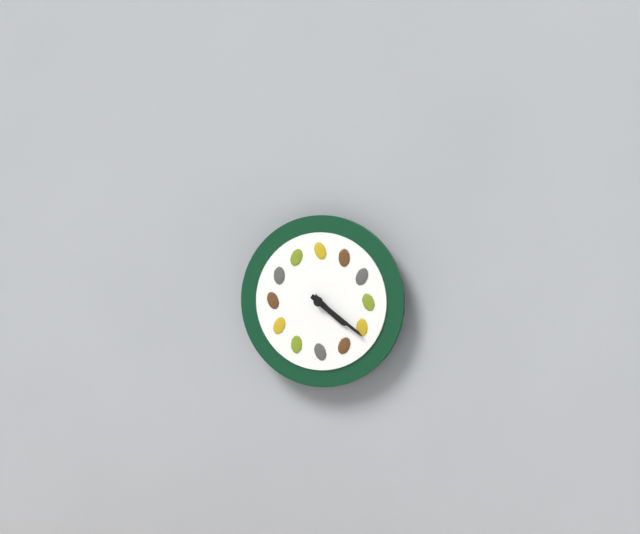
**4:21**
